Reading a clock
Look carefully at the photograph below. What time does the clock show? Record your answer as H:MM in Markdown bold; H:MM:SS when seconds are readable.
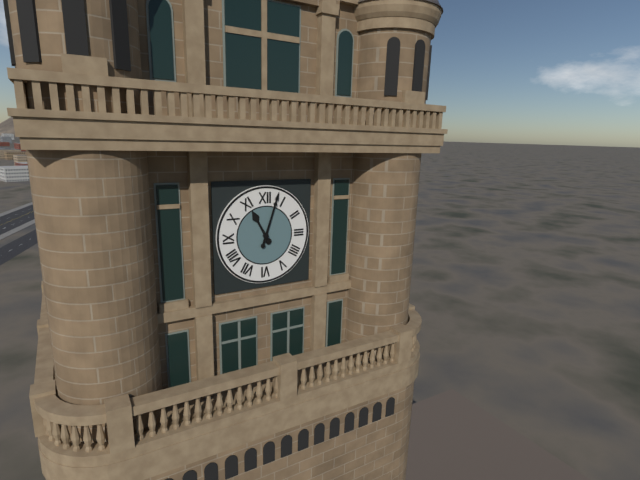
**11:03**
